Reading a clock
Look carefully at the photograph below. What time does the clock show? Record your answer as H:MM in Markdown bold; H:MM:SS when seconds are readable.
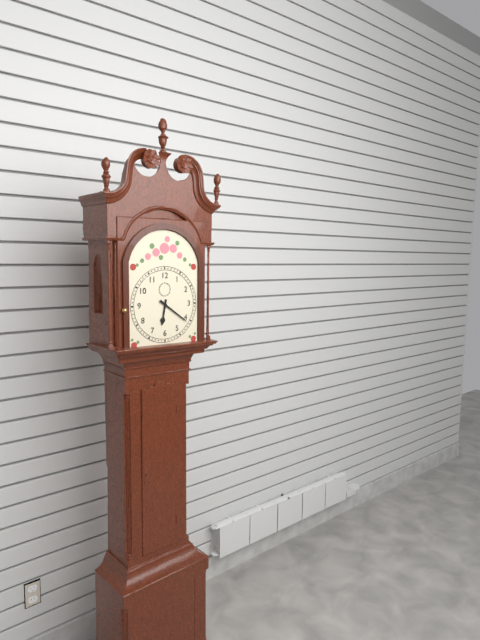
**6:21**
